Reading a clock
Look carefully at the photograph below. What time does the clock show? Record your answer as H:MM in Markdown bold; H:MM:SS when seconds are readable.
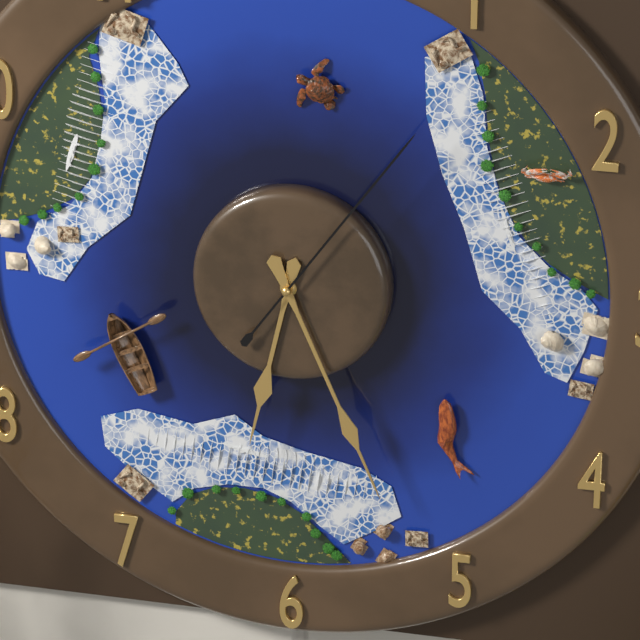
**6:26:06**
